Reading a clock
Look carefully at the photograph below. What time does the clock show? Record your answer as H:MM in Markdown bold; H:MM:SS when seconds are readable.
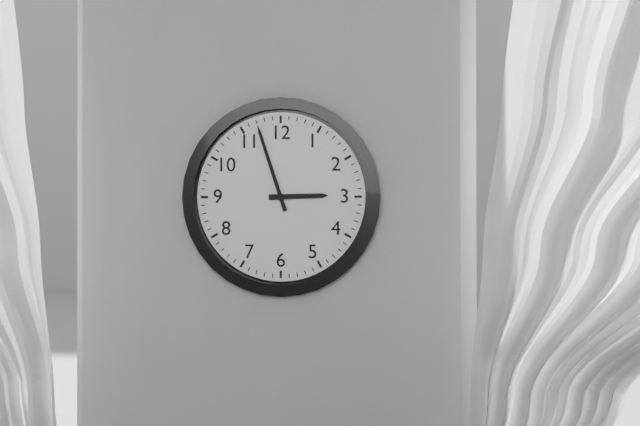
**2:57**
